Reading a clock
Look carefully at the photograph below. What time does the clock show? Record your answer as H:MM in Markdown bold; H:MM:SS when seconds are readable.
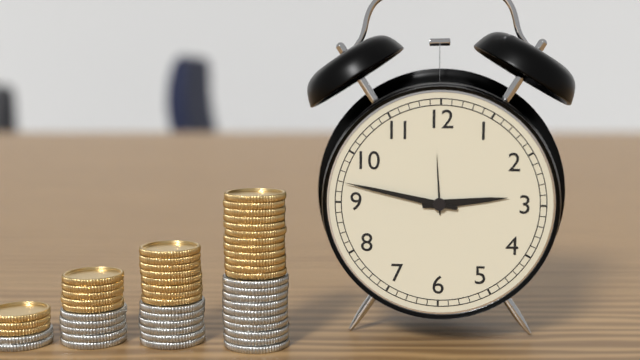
**2:47**
